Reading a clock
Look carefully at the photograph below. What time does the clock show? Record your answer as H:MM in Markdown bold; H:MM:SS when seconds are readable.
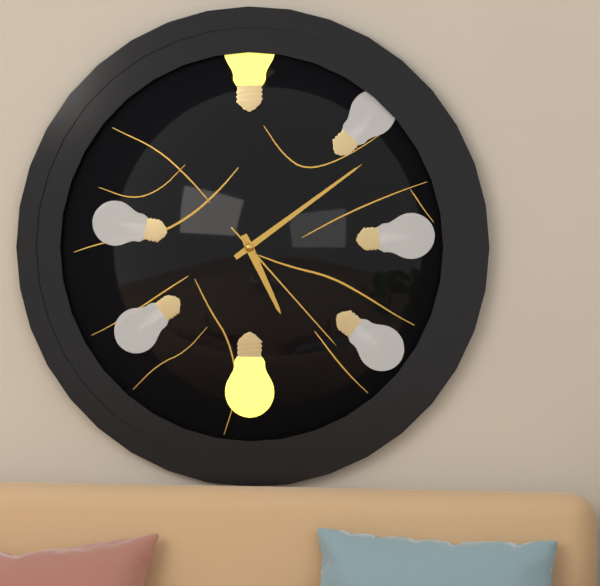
**5:09:23**
